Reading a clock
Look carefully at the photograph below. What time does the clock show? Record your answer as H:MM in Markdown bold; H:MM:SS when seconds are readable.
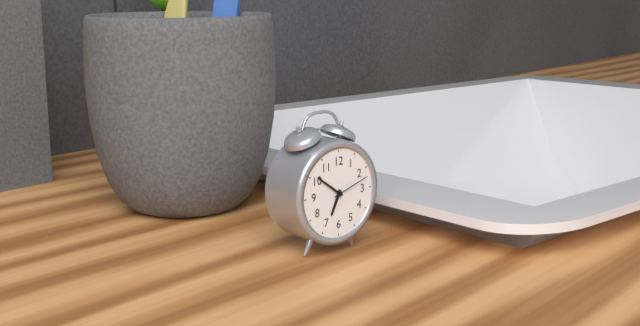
**6:51**
